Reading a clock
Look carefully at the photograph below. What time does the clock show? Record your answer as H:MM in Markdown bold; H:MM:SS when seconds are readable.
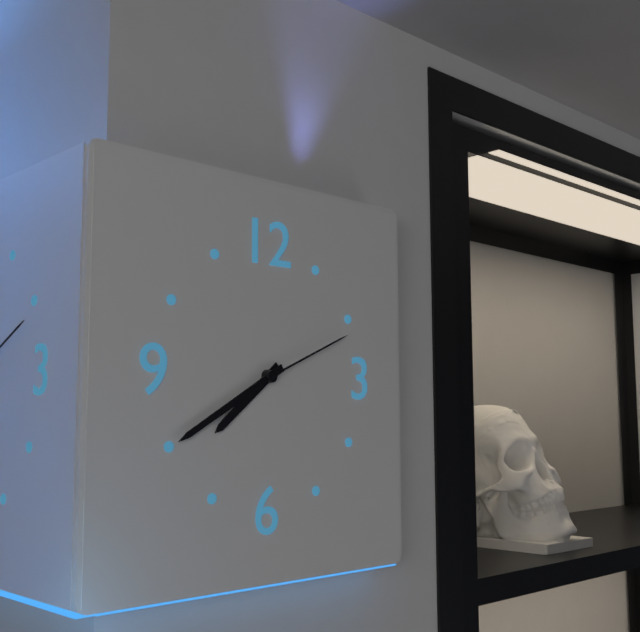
**7:40:11**
